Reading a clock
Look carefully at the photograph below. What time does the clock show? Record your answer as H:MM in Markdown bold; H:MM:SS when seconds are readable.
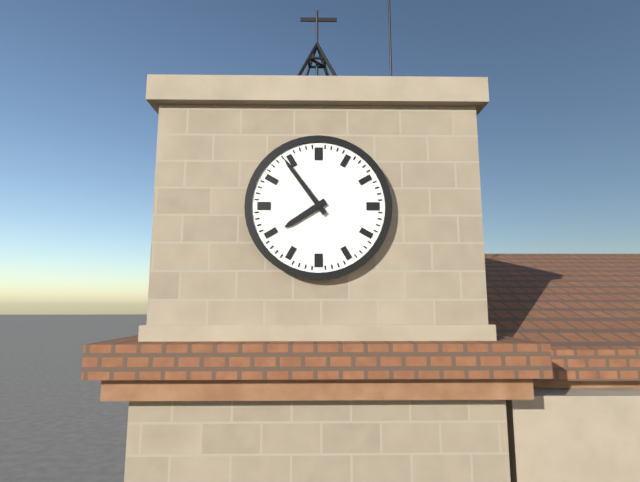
**7:54**
